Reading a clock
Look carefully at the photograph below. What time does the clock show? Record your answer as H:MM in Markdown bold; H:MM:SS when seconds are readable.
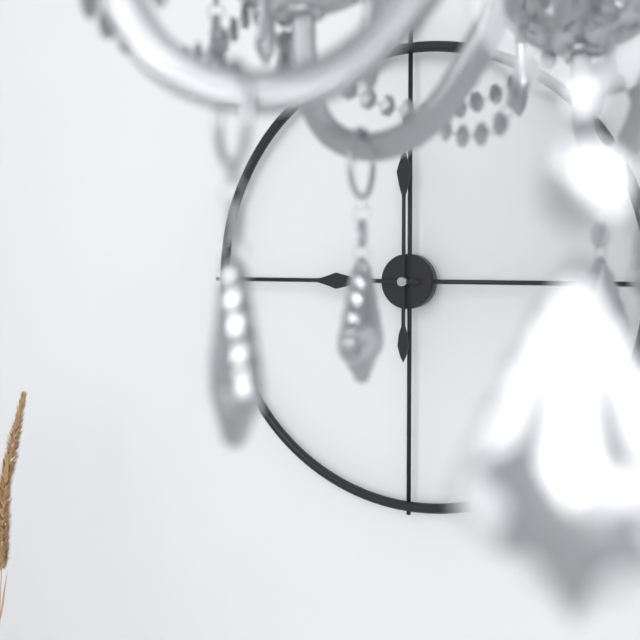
**9:00**
